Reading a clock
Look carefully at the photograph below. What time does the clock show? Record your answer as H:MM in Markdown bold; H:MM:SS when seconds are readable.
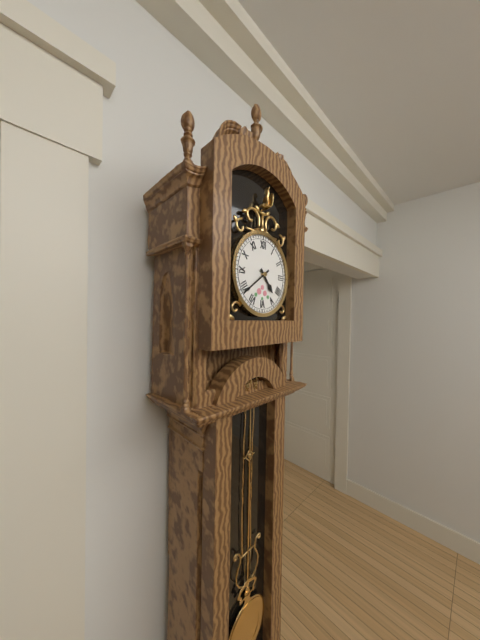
**4:39**
